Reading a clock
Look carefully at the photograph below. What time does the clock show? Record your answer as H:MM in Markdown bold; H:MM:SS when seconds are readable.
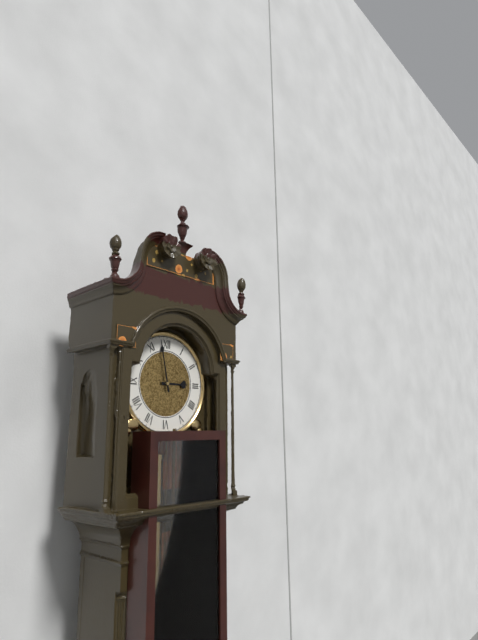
**2:58**
